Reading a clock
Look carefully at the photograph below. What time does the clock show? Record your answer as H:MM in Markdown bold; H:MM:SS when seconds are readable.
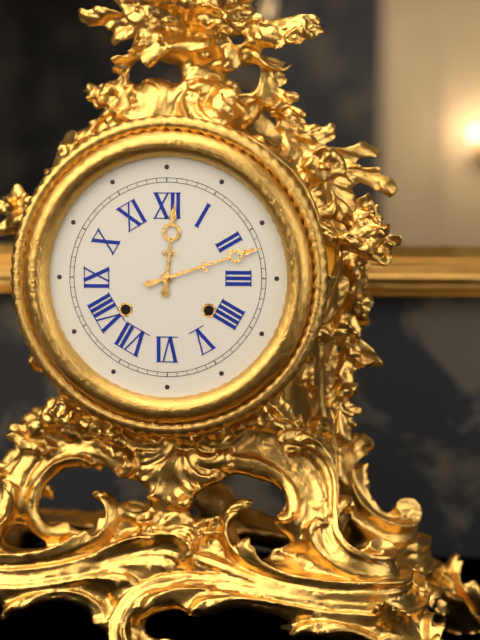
**12:12**
